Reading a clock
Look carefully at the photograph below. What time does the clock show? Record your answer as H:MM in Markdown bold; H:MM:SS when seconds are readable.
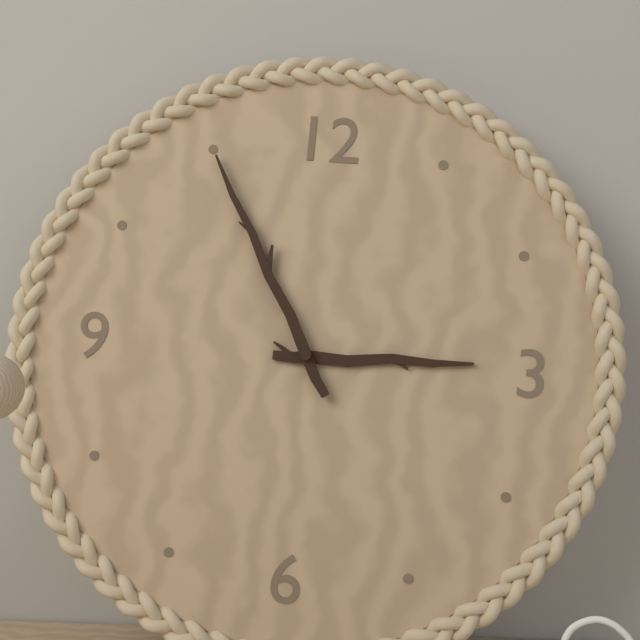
**2:55**
